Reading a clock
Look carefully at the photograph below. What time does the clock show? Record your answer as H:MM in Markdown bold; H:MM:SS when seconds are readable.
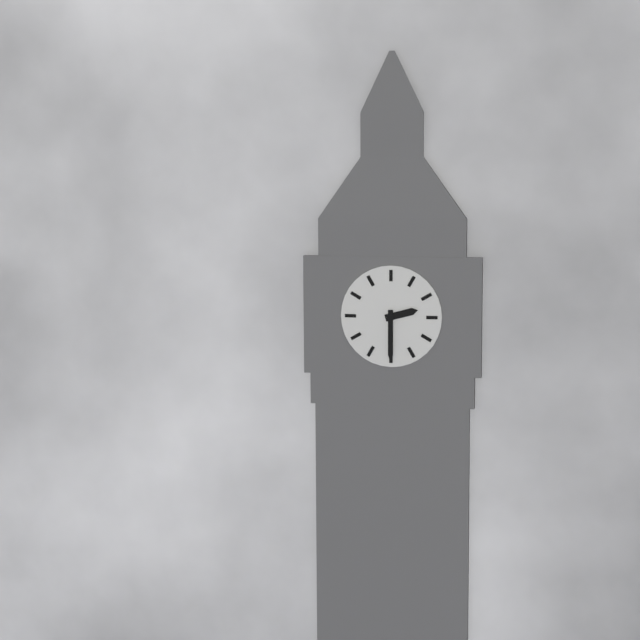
**2:30**
